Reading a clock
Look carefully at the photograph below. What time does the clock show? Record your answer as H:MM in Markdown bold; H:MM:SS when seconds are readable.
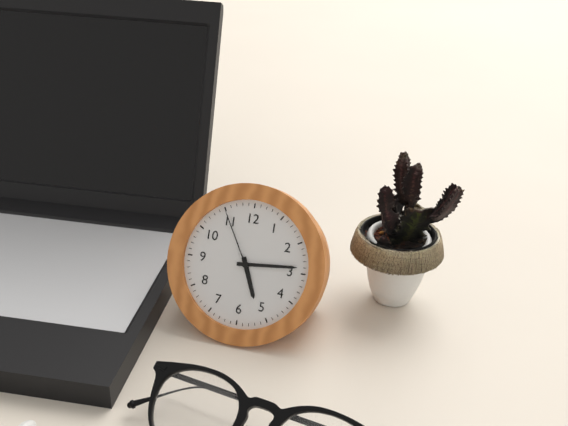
**5:14:55**
